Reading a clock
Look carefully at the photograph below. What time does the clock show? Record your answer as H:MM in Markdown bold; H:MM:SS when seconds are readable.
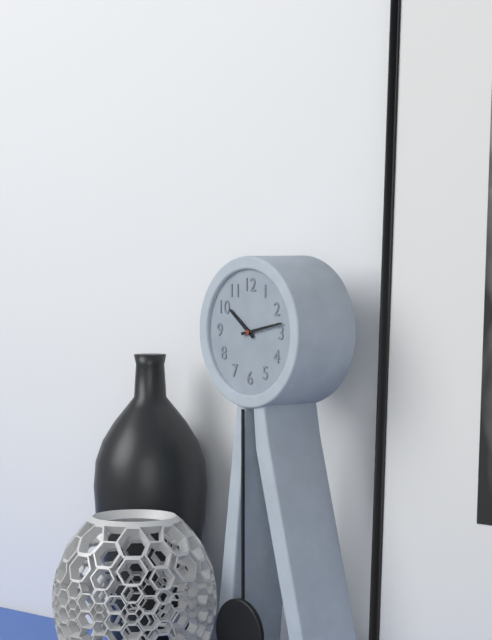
**10:13**
